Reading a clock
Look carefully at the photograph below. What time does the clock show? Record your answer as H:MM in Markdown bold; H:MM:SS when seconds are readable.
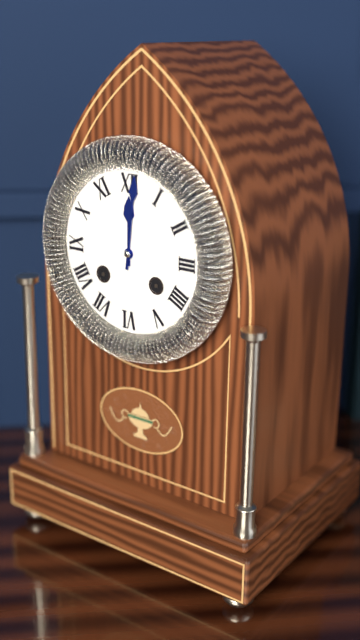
**12:01**
